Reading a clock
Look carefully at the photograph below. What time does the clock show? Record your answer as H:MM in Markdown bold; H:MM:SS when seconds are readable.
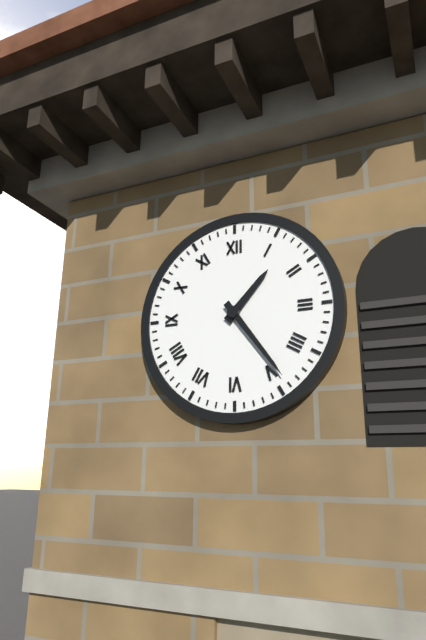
**1:24**
